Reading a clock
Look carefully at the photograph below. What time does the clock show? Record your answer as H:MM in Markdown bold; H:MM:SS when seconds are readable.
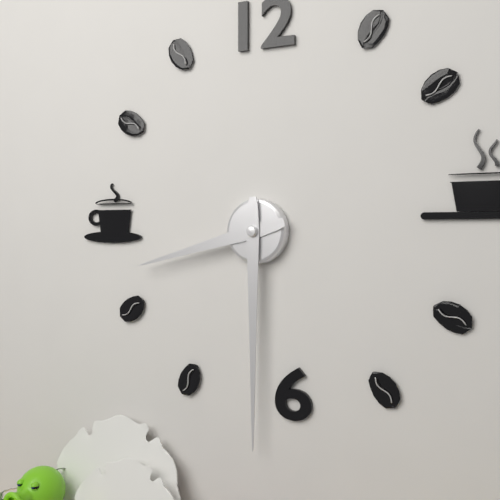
**8:30**
